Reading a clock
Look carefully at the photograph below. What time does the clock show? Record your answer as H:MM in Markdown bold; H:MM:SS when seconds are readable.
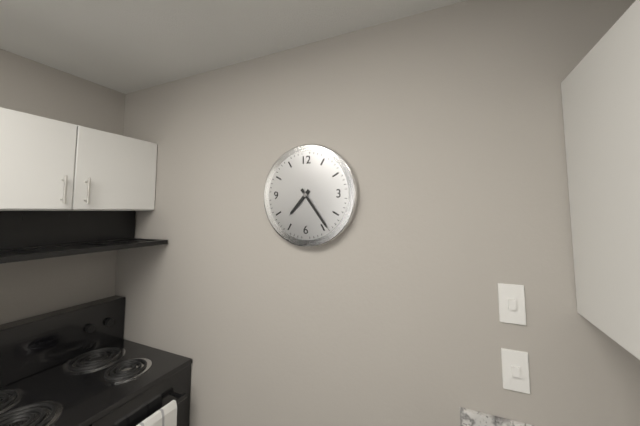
**7:24**
